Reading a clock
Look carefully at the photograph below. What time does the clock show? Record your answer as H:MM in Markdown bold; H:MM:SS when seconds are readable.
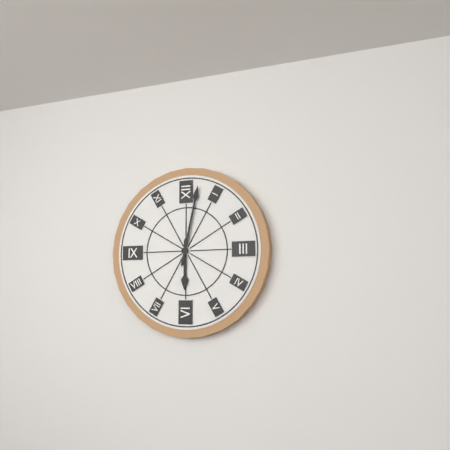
**6:02**
